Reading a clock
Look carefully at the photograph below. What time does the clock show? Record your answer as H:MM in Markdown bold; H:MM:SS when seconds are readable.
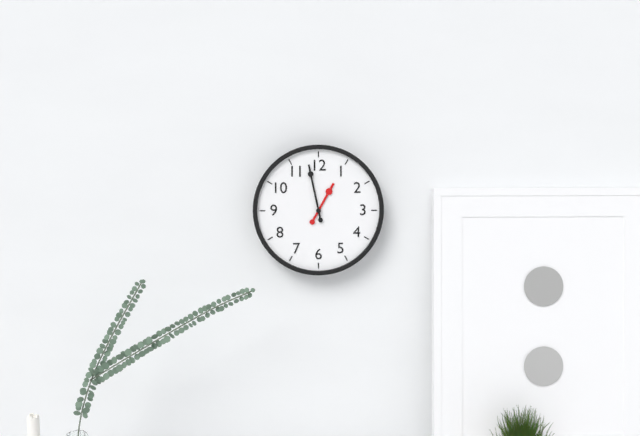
**12:58**
